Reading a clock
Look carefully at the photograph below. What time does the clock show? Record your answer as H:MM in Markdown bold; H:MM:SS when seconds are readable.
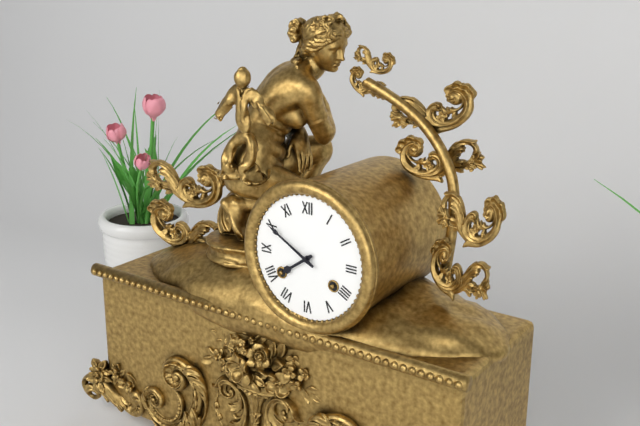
**7:50**
